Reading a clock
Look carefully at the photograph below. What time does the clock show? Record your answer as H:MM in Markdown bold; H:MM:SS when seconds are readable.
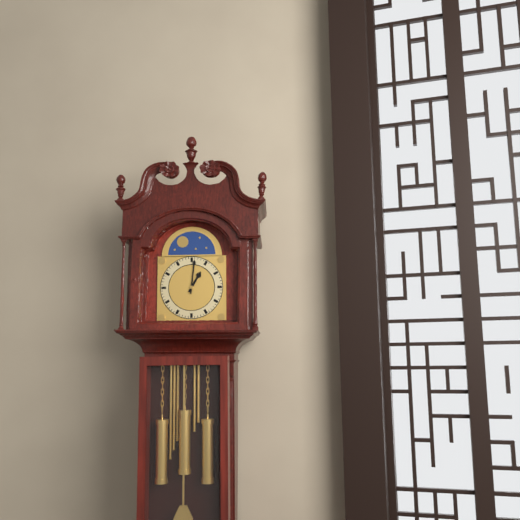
**1:01**
